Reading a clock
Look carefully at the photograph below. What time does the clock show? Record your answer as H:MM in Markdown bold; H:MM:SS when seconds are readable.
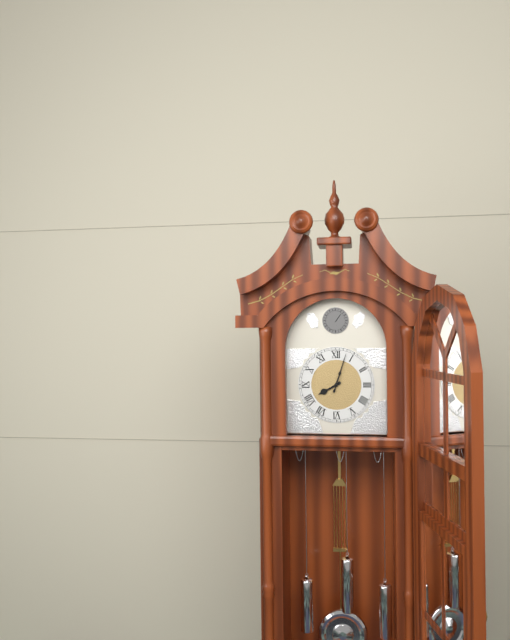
**8:03**
